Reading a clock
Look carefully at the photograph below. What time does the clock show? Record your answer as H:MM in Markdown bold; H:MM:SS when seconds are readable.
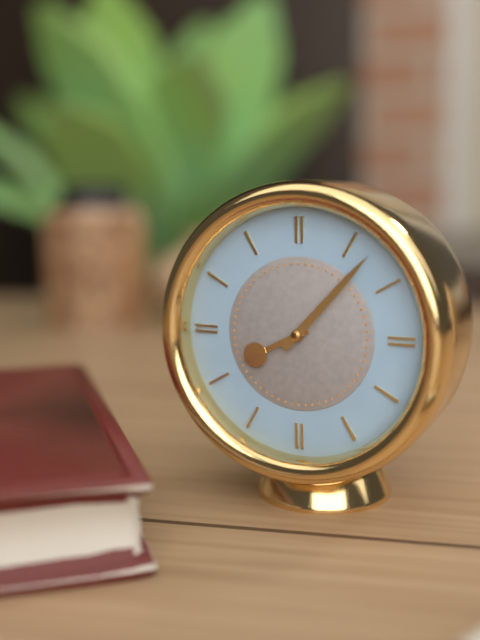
**8:07**
